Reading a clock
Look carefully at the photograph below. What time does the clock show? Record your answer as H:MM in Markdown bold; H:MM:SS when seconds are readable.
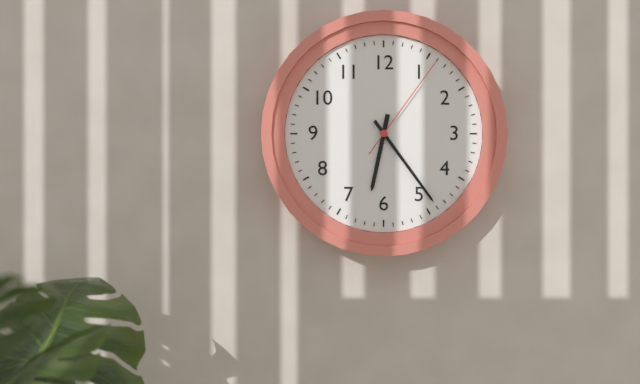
**6:24:06**
